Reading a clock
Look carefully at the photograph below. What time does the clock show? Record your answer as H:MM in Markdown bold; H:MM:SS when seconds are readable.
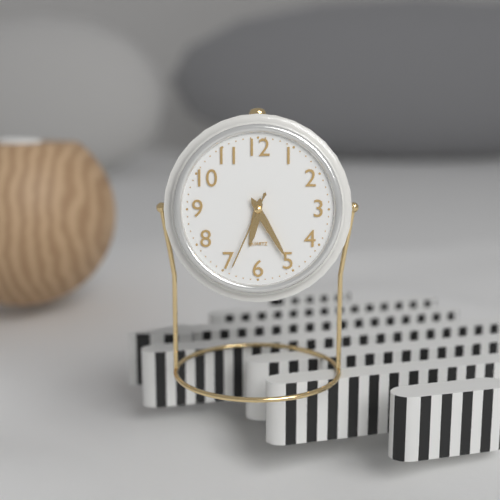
**6:25:34**
